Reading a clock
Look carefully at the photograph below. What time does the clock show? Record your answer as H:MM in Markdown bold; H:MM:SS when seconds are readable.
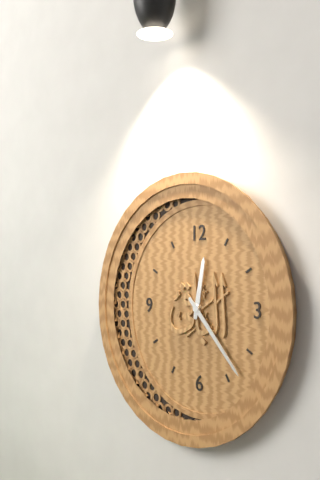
**12:23**
